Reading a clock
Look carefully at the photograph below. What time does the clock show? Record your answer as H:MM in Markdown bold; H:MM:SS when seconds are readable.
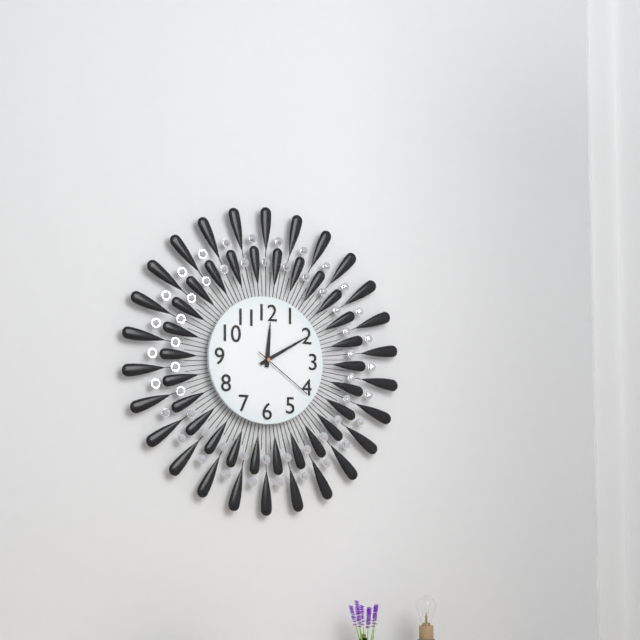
**12:10:21**
